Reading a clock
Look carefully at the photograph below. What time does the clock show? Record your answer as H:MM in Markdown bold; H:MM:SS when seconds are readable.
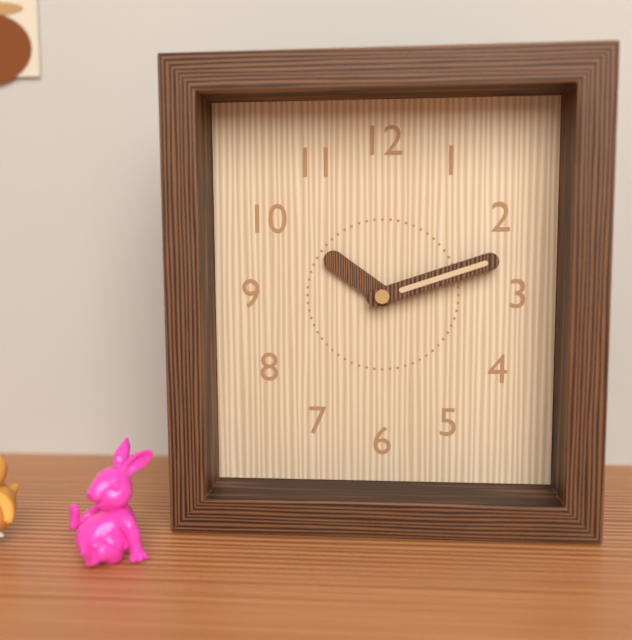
**10:12**
